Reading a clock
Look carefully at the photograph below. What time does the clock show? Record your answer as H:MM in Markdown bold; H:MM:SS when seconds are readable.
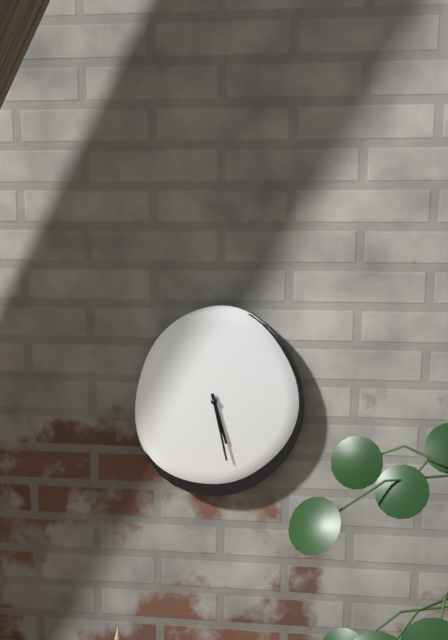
**5:28**
